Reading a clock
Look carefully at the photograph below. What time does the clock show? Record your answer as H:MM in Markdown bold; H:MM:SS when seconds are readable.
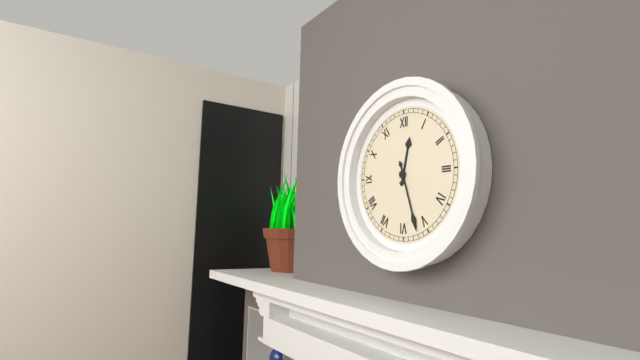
**12:27**
